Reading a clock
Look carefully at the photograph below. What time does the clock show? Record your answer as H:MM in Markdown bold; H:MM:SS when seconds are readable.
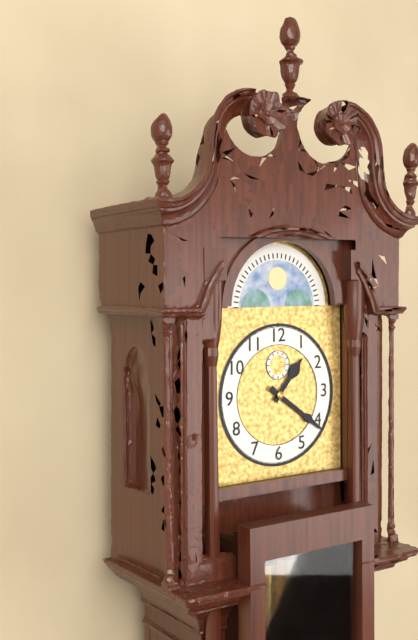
**1:21**
